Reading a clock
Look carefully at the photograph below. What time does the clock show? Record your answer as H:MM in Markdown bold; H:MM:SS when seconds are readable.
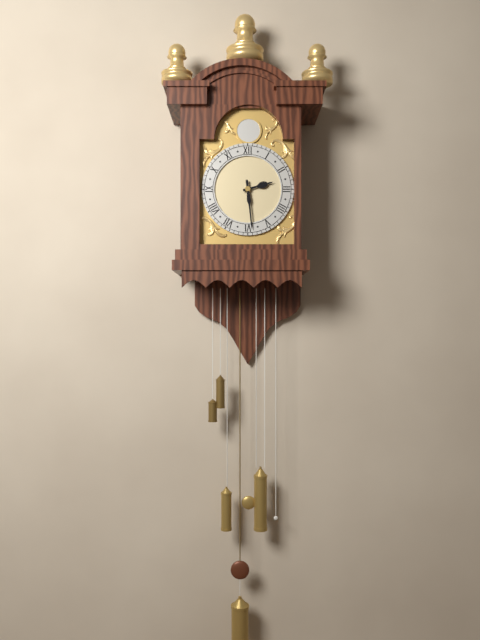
**2:29**
